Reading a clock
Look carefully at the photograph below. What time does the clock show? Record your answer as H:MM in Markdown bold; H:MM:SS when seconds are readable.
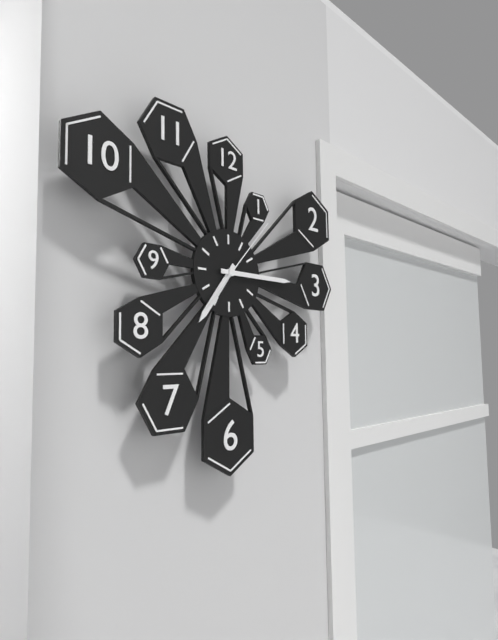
**7:15:07**
